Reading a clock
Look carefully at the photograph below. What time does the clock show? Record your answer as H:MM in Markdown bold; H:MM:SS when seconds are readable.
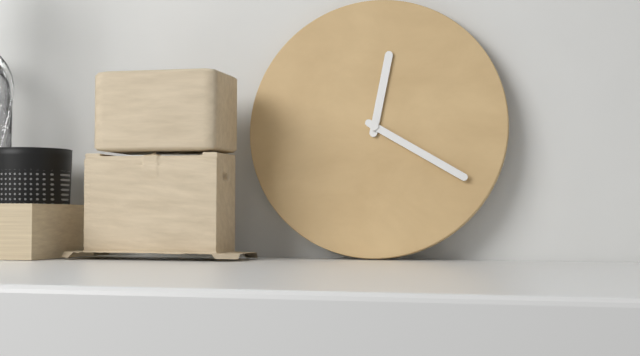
**12:20**
